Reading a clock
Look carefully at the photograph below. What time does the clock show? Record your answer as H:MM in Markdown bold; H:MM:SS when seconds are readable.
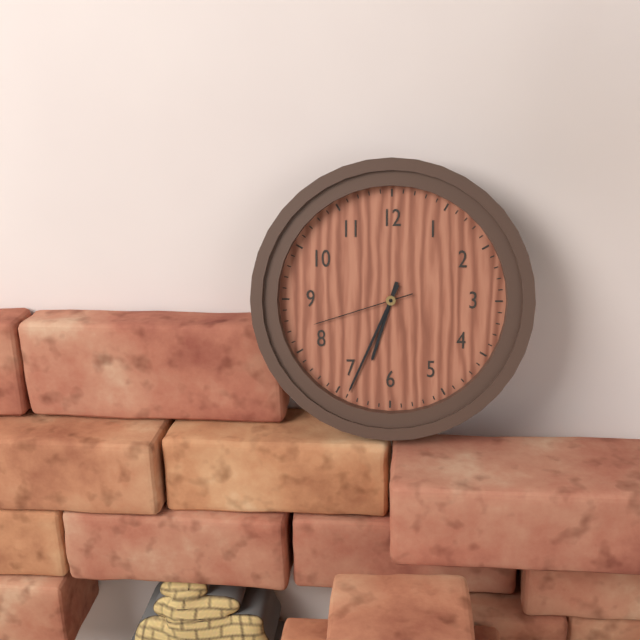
**6:34:42**
